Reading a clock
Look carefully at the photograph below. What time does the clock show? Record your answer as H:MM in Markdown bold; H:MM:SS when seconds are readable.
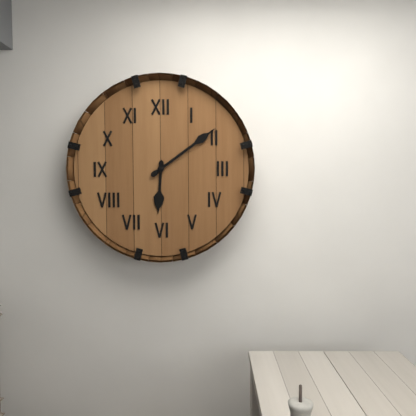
**6:09**
